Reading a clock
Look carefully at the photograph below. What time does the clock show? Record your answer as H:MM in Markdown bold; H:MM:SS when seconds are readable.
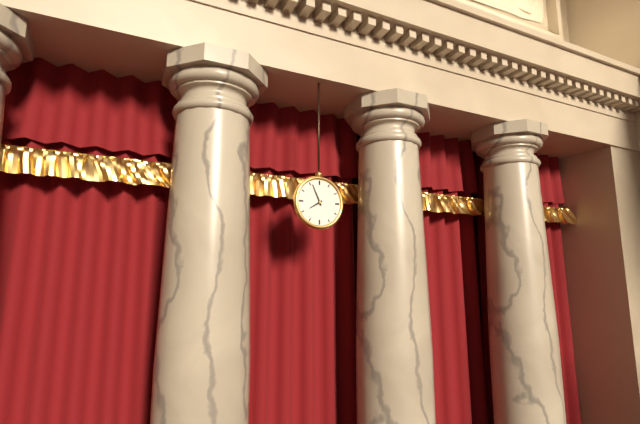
**7:56**
